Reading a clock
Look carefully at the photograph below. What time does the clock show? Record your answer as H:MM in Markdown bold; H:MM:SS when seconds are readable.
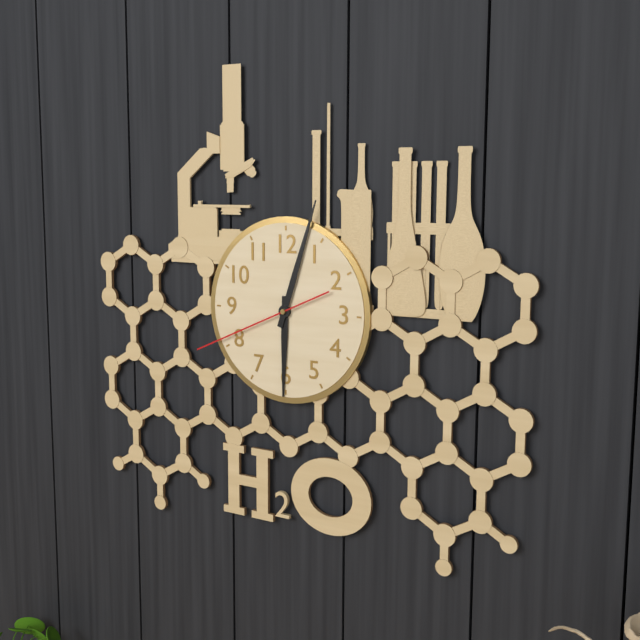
**6:03:41**
